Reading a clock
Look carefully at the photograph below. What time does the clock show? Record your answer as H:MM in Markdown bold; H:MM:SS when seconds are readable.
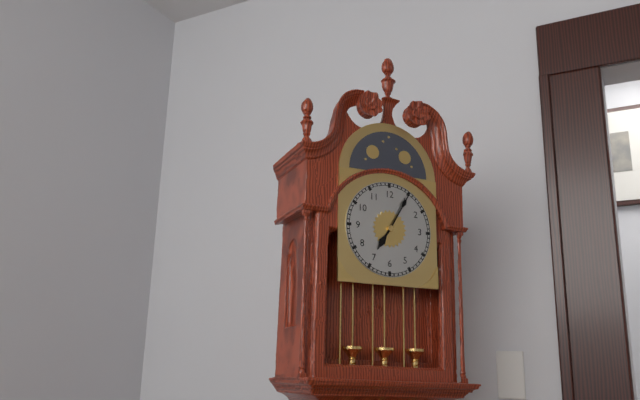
**7:05**
